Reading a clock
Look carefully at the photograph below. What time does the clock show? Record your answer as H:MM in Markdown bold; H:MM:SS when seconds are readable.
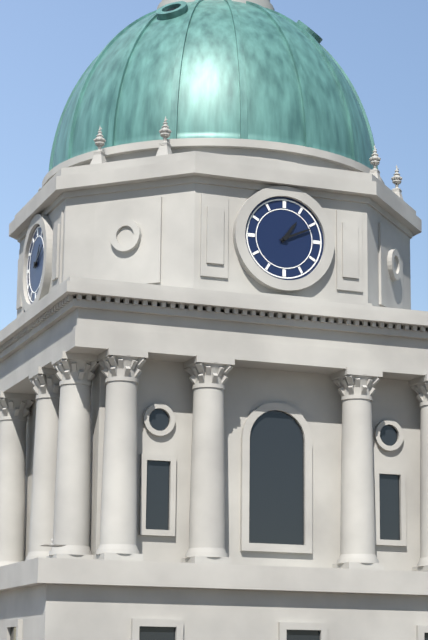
**1:11**
